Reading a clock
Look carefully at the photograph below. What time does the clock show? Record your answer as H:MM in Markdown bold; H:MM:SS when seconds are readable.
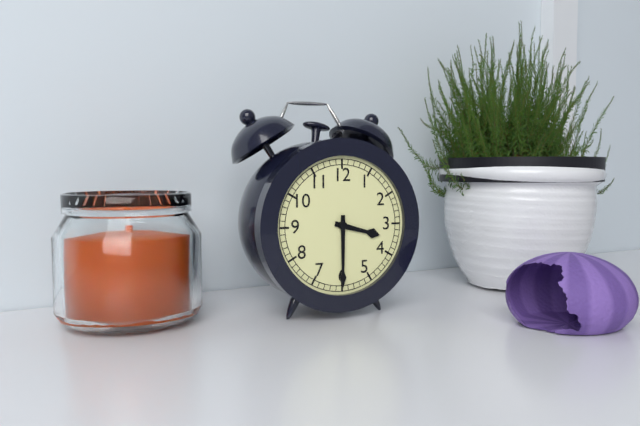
**3:30**
